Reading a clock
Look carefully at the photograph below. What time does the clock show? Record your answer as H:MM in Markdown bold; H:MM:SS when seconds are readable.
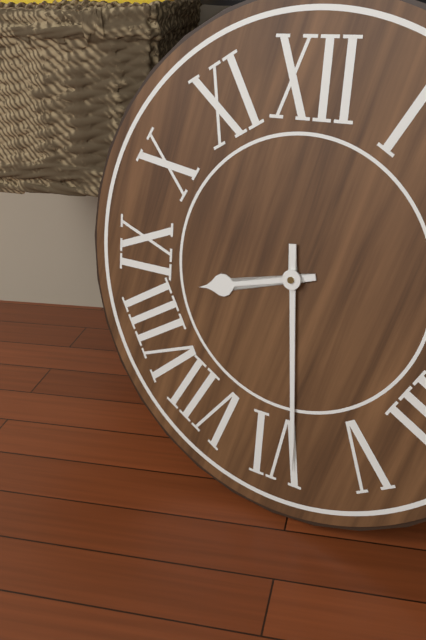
**8:29**
